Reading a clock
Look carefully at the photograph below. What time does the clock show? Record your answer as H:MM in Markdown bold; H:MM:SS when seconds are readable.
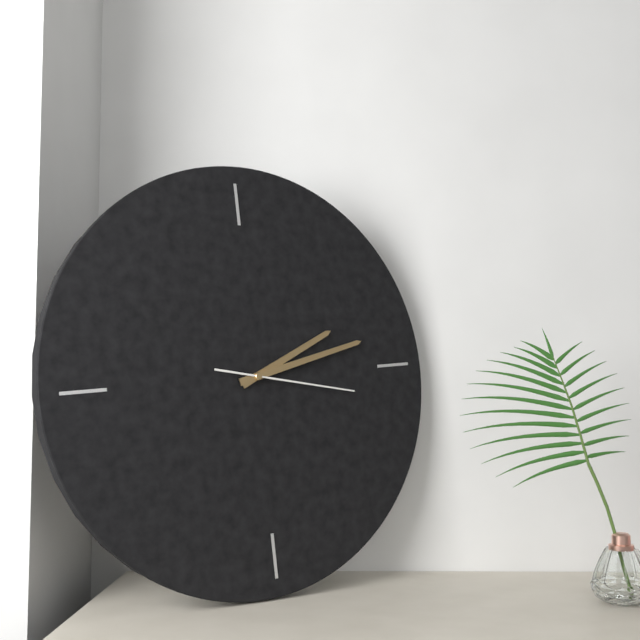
**2:13:17**
